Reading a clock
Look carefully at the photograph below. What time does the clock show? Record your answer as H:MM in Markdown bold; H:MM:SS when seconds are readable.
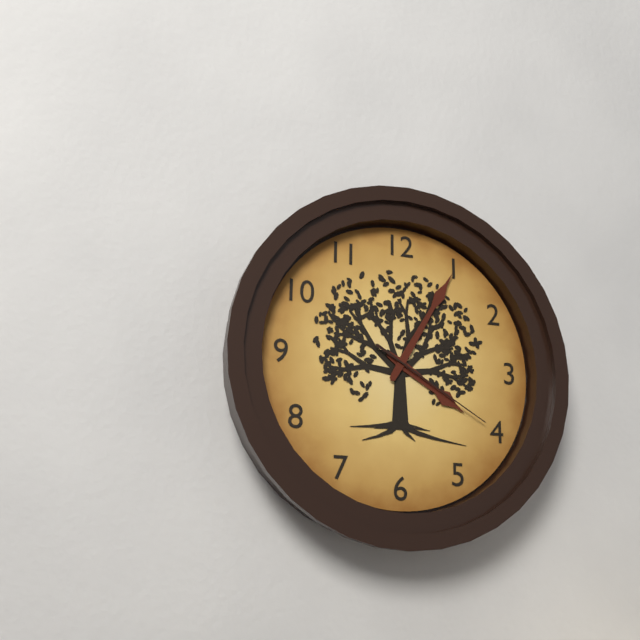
**4:05:20**
